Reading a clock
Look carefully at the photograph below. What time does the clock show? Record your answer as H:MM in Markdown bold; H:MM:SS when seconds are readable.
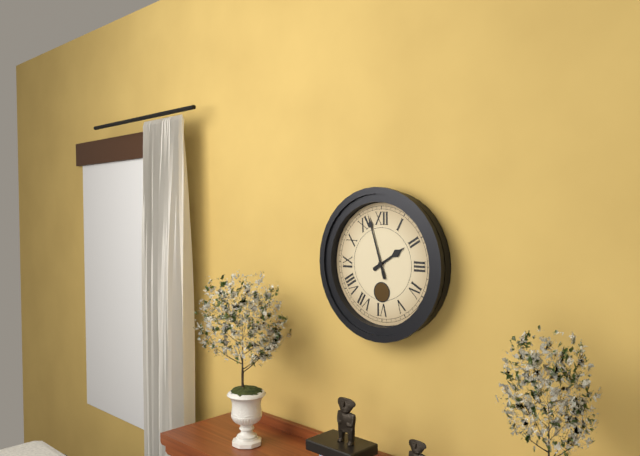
**1:57**
